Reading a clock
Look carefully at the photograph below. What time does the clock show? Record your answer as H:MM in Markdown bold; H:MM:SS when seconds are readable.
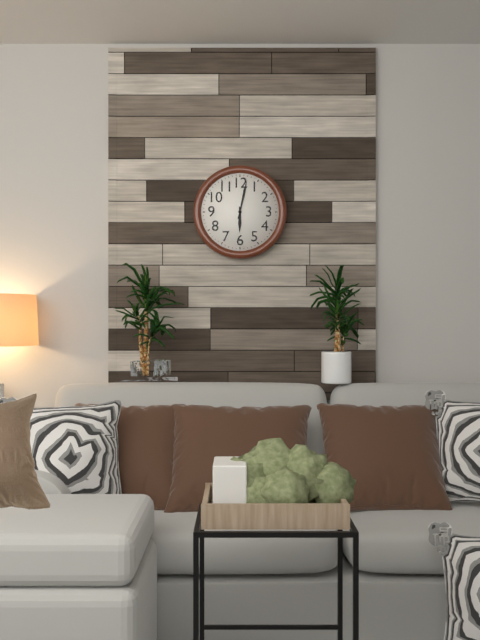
**6:02**
